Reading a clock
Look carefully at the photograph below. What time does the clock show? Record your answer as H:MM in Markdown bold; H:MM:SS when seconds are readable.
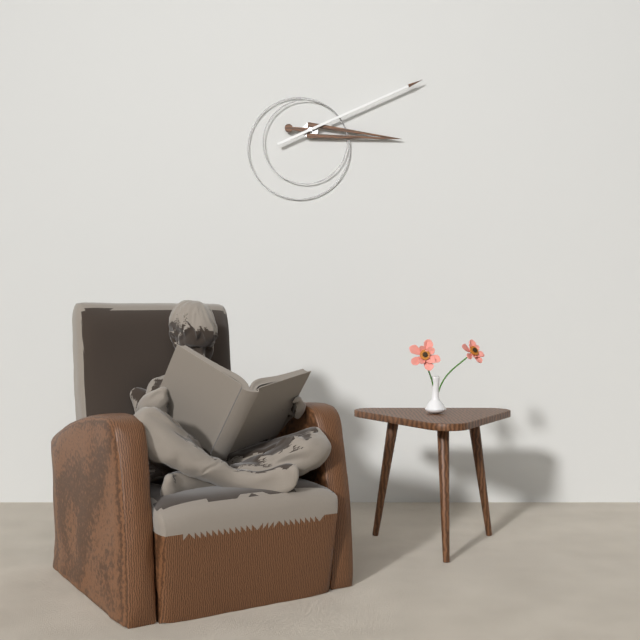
**3:11**
